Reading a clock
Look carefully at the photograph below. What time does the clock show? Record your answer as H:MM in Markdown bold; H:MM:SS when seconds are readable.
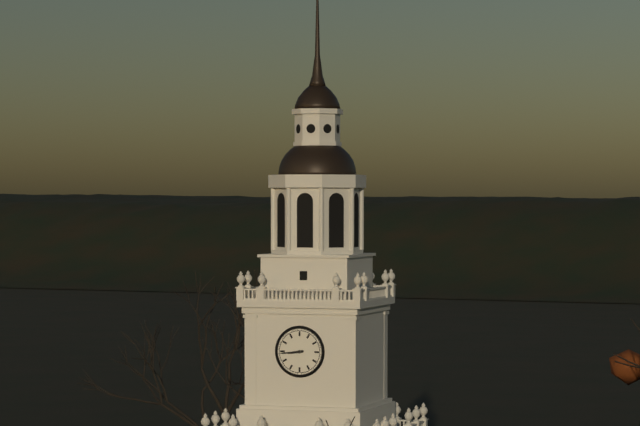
**8:44**
